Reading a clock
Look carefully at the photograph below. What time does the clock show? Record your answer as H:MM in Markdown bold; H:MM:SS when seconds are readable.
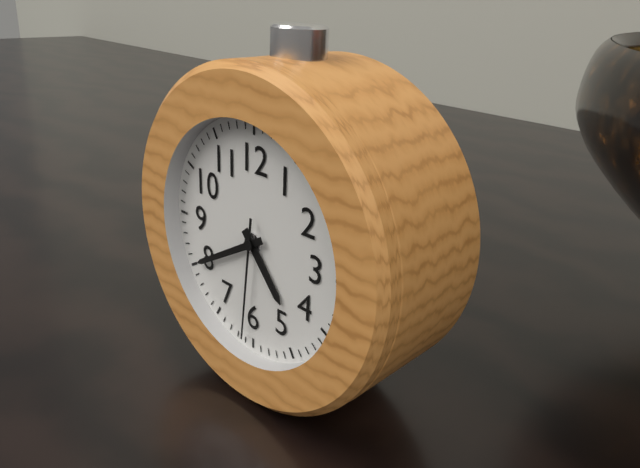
**4:40:31**
